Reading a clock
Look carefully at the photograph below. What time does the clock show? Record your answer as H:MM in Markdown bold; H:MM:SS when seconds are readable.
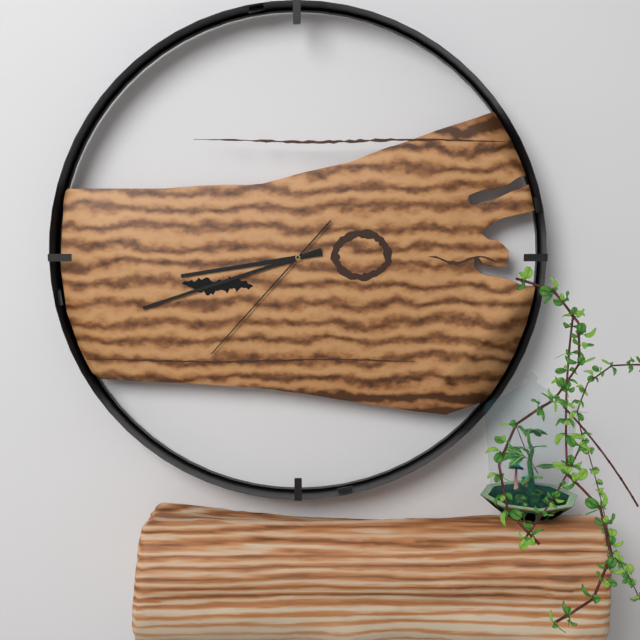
**8:42:37**
